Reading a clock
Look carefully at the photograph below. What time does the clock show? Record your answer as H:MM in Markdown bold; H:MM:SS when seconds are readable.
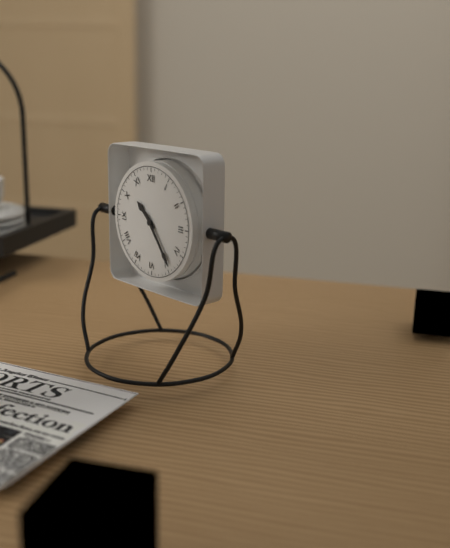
**10:24**
